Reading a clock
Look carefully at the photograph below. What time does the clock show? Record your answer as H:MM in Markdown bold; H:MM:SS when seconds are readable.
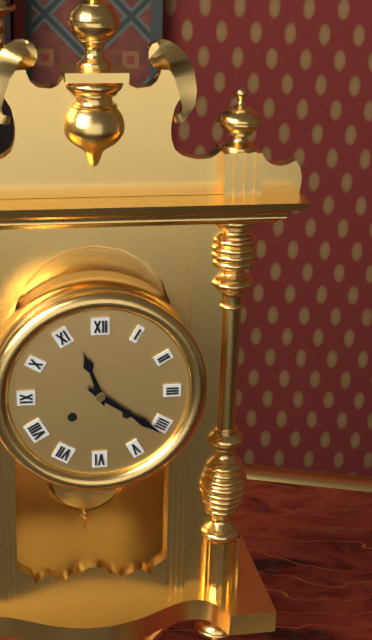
**11:21**
